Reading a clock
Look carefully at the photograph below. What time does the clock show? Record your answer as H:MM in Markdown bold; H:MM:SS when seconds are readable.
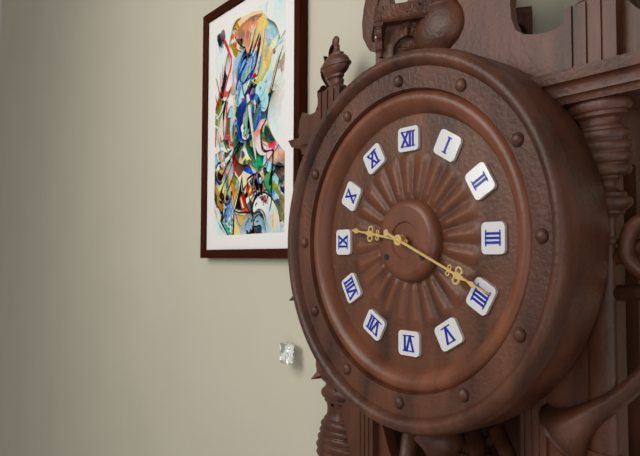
**9:19**
